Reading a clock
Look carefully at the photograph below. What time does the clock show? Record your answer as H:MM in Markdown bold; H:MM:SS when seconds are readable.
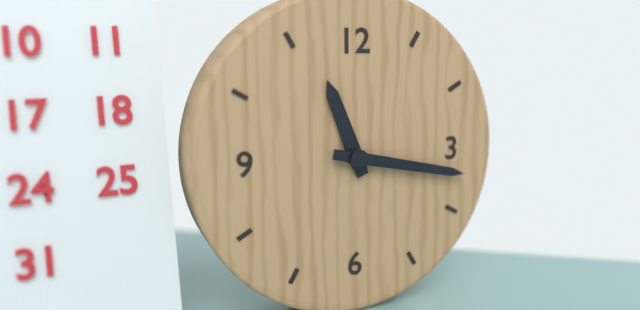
**11:17**
